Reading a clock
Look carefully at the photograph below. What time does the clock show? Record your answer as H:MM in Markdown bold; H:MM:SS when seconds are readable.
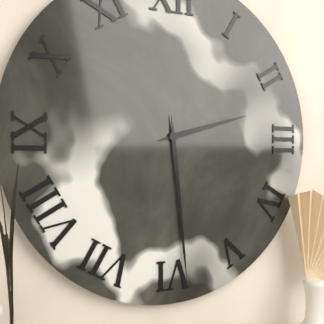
**2:29**
